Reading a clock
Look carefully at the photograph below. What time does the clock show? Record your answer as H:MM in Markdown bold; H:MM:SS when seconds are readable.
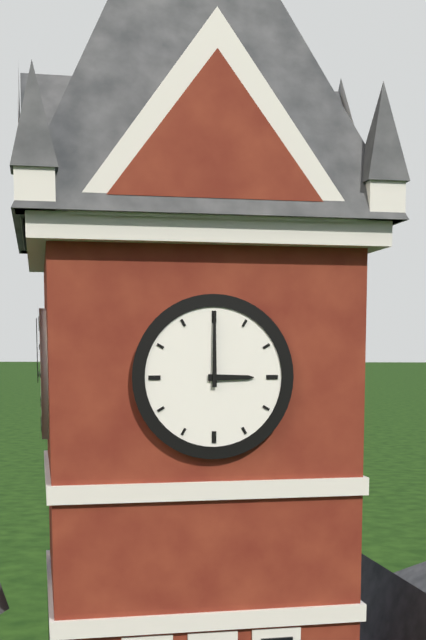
**3:00**
